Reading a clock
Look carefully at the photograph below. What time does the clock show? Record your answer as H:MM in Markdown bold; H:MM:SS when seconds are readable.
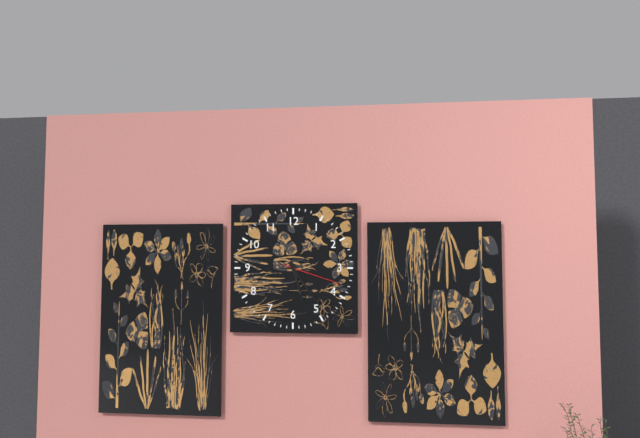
**5:24:18**
